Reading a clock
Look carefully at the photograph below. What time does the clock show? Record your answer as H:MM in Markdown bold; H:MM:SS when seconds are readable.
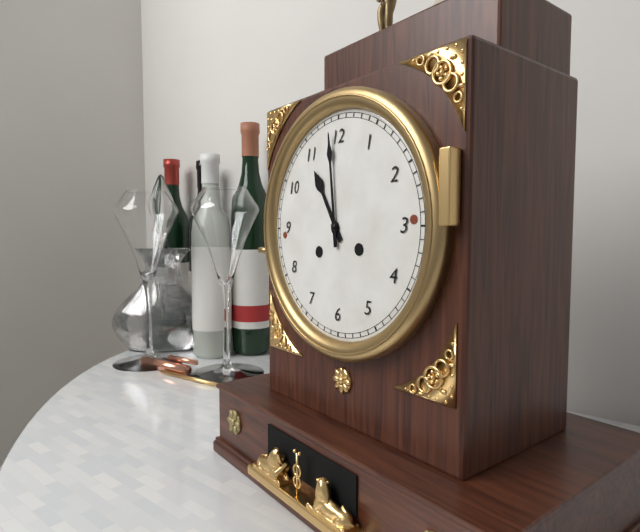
**10:59**
